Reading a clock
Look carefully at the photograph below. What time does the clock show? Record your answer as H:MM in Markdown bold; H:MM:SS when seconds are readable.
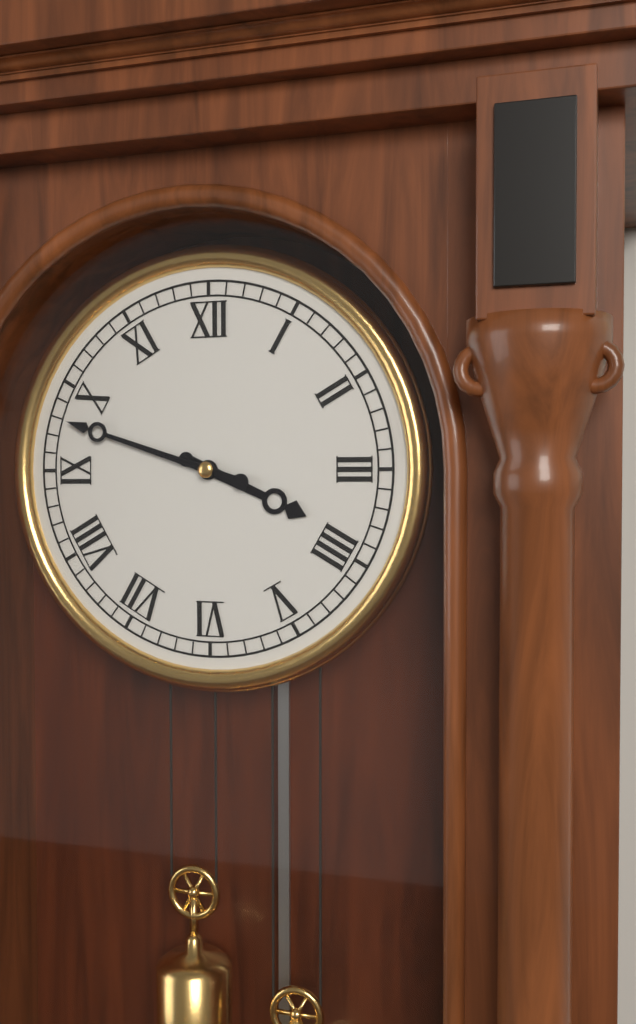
**3:48**
